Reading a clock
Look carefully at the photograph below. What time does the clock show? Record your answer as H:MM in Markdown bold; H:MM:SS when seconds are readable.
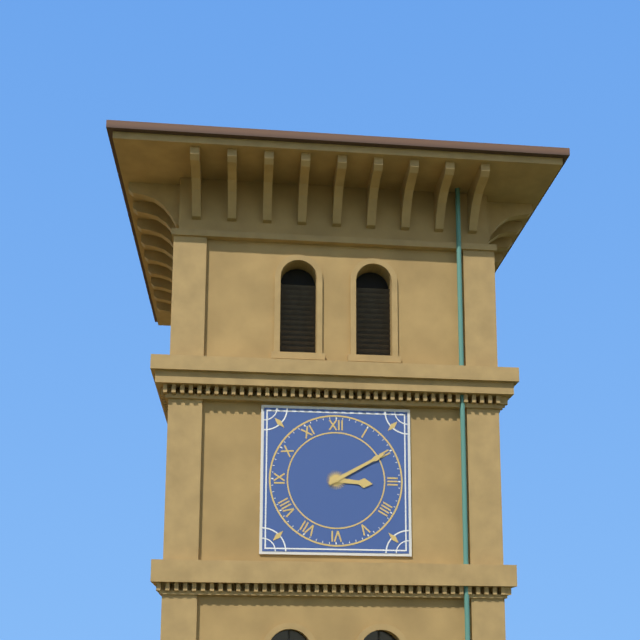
**3:10**
